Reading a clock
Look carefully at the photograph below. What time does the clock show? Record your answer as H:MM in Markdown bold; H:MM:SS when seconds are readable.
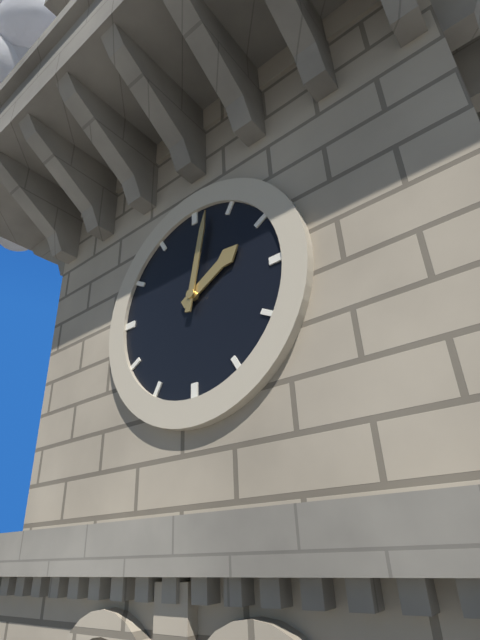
**2:02**
